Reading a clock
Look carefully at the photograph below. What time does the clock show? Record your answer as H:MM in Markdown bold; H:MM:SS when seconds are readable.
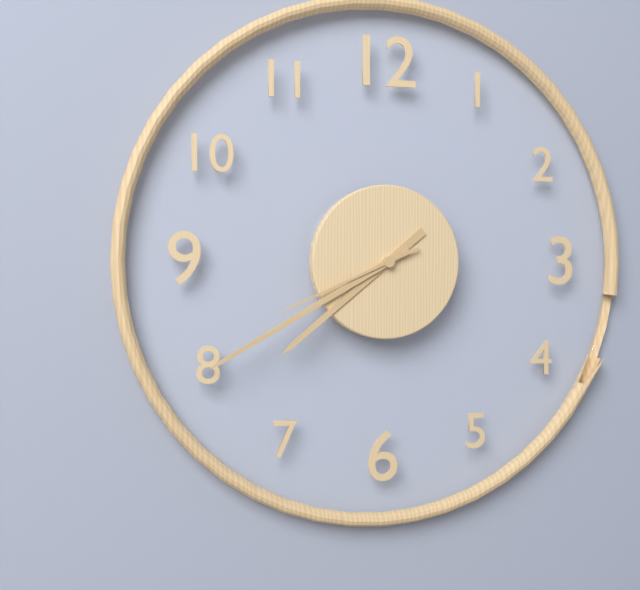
**7:40:41**
